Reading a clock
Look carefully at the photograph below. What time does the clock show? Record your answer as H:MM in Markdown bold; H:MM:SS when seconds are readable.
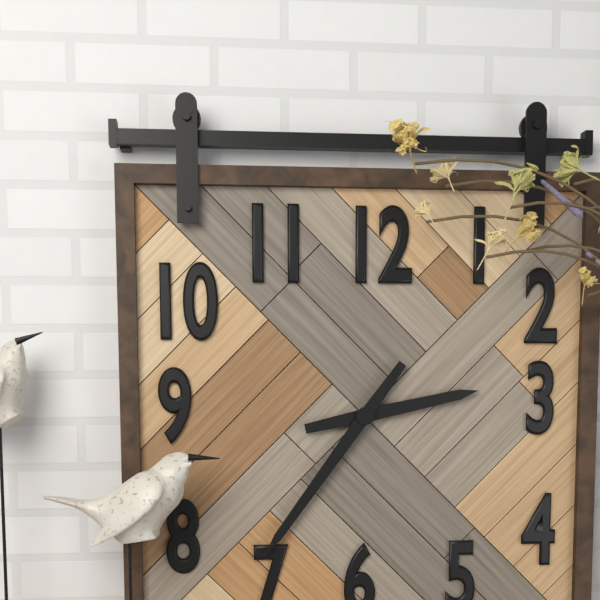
**2:36**
